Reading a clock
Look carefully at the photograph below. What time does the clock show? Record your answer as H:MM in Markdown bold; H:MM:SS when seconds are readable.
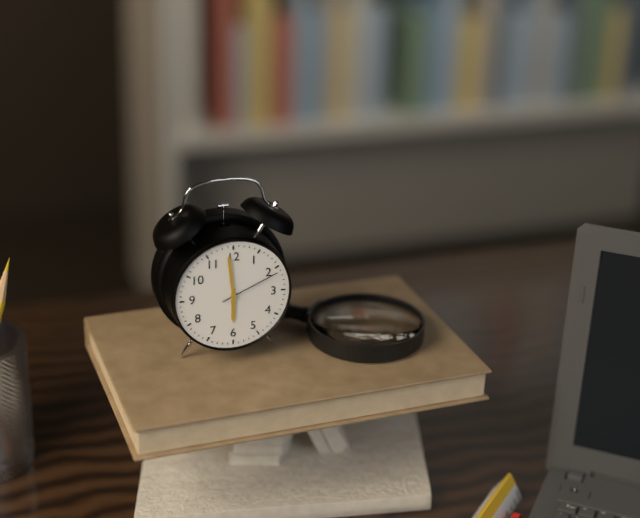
**5:59:11**
